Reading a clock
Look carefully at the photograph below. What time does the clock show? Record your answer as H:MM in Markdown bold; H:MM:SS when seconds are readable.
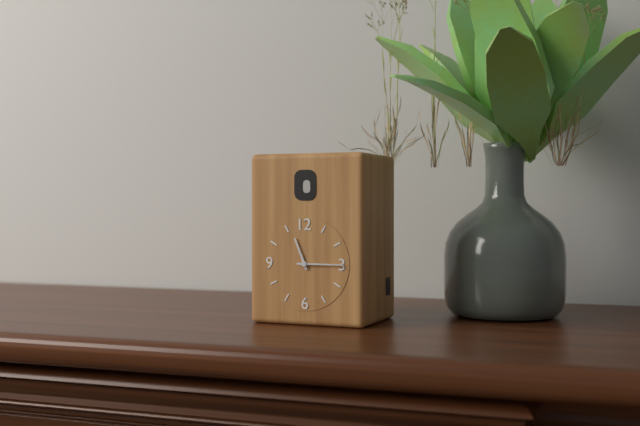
**11:15**
